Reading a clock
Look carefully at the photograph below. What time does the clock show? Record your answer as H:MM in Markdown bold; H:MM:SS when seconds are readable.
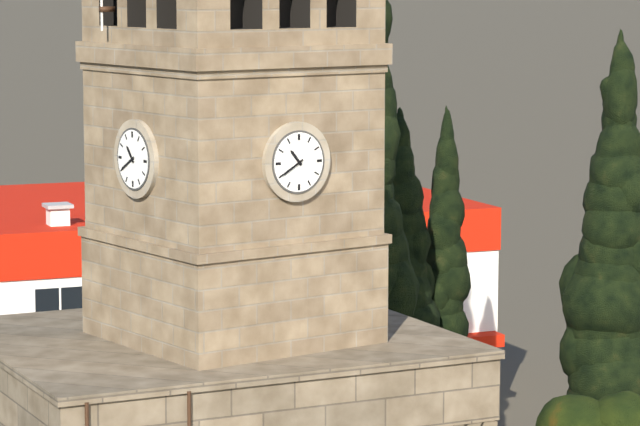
**10:40**
